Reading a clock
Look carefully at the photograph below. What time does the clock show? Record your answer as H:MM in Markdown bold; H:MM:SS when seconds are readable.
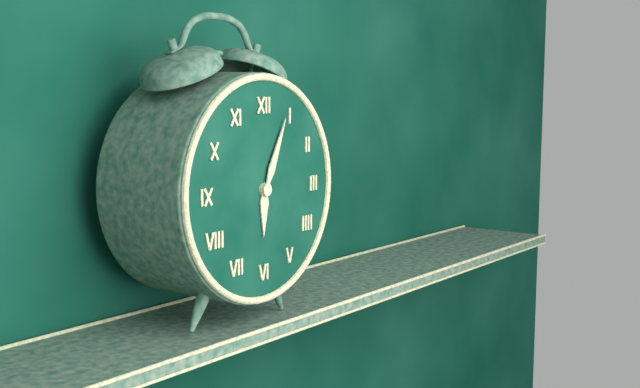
**6:04**
